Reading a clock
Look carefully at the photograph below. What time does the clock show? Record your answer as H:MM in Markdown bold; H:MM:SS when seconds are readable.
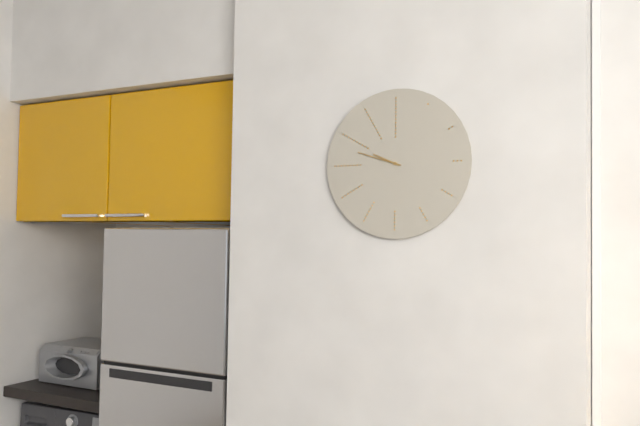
**9:48**
